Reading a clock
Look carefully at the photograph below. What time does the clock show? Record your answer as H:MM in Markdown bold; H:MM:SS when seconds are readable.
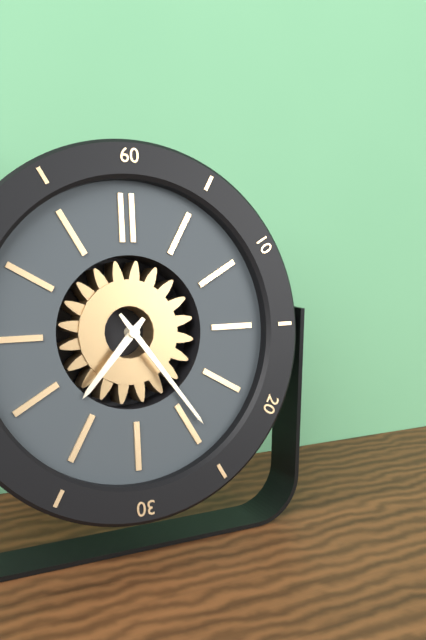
**7:24**
